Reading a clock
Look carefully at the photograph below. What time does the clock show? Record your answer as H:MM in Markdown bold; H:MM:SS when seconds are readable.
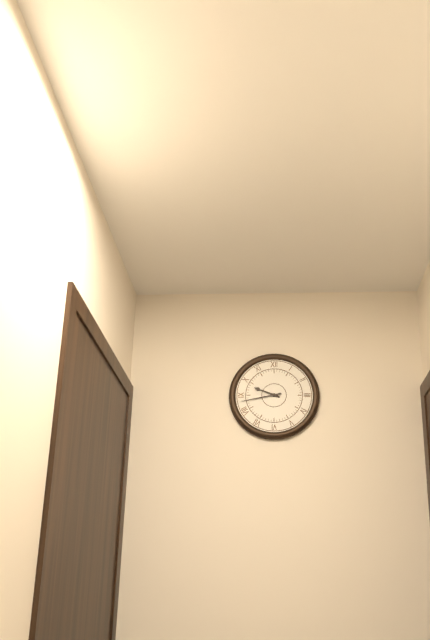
**9:43**
